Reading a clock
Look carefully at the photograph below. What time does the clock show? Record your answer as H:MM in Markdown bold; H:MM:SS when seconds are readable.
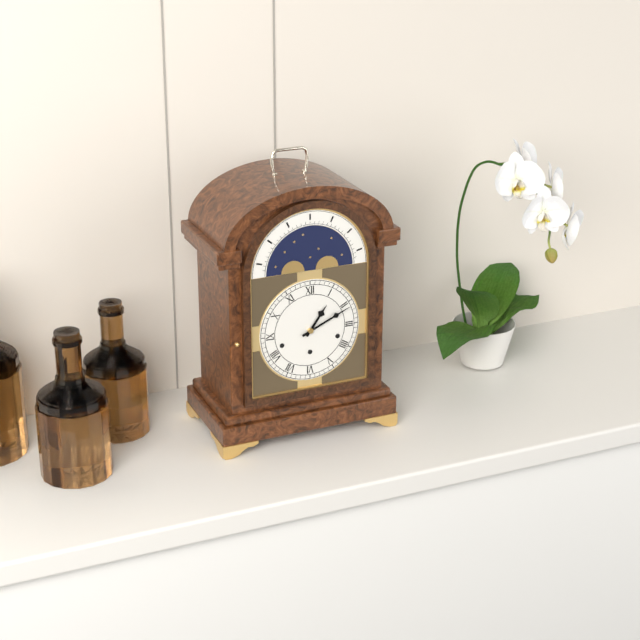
**1:11**
